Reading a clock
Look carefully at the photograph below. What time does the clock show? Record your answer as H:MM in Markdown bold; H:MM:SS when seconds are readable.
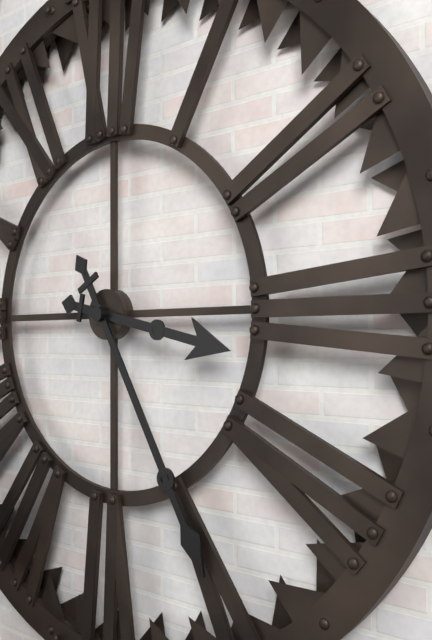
**3:25**
